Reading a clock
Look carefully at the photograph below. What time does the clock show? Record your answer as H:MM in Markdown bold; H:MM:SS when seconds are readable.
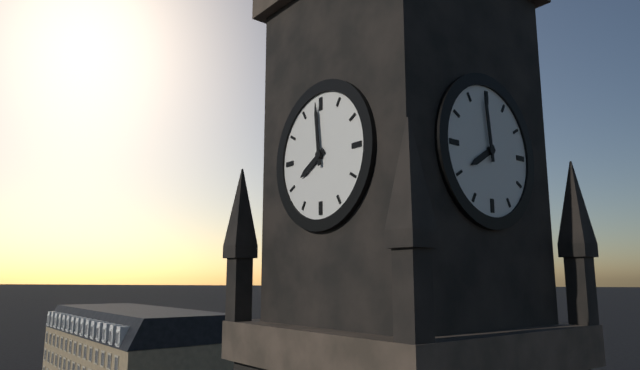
**7:59**
